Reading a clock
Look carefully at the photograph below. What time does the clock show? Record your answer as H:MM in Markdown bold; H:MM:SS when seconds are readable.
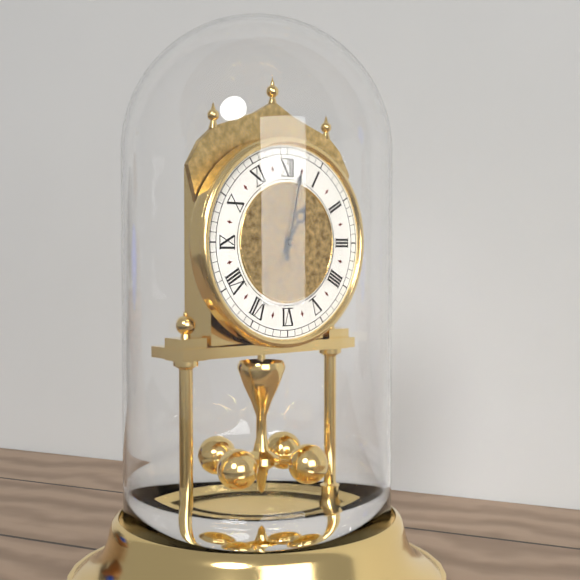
**1:02**
